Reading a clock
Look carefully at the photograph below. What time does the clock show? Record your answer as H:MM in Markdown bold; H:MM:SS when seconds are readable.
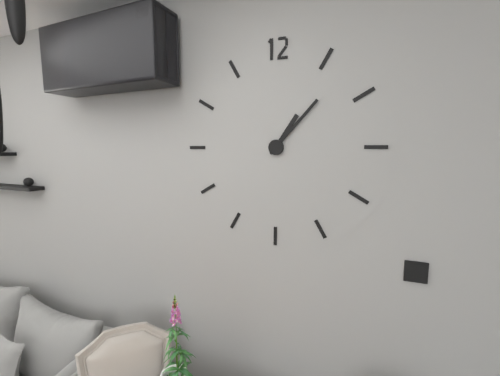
**1:07**
